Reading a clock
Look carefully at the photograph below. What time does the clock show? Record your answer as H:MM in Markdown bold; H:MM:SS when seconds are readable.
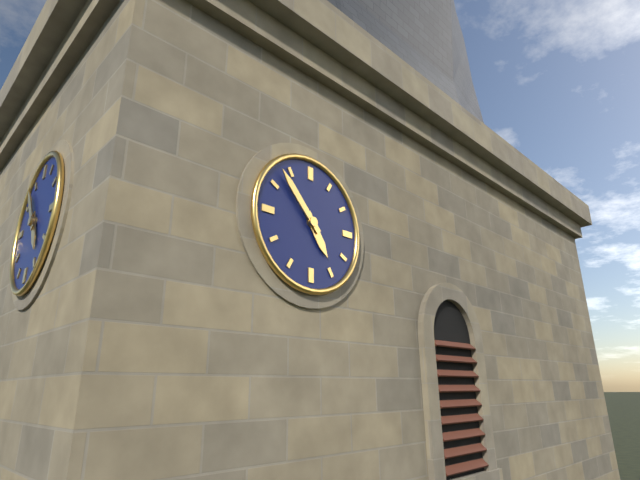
**4:53**
